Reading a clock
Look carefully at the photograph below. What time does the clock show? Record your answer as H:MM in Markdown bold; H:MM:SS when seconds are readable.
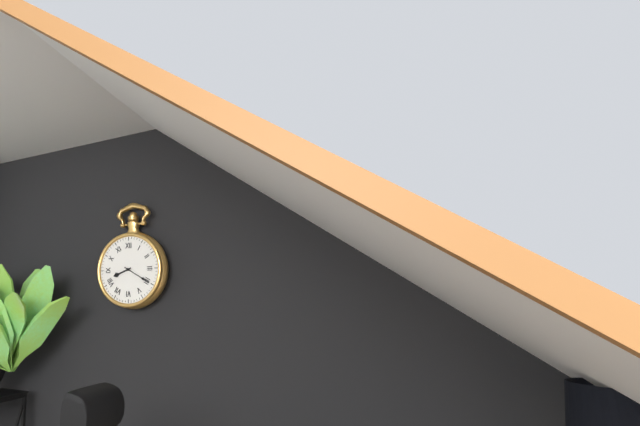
**8:20**
